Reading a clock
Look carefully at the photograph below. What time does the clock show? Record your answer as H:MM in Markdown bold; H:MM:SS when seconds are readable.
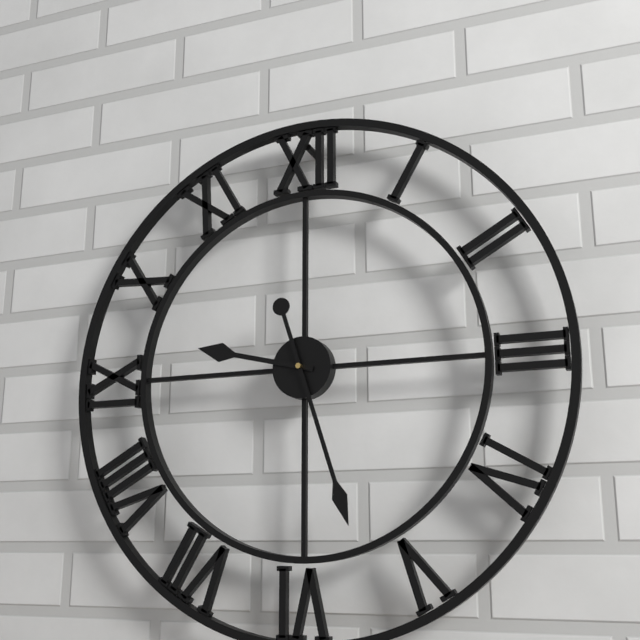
**9:27**
